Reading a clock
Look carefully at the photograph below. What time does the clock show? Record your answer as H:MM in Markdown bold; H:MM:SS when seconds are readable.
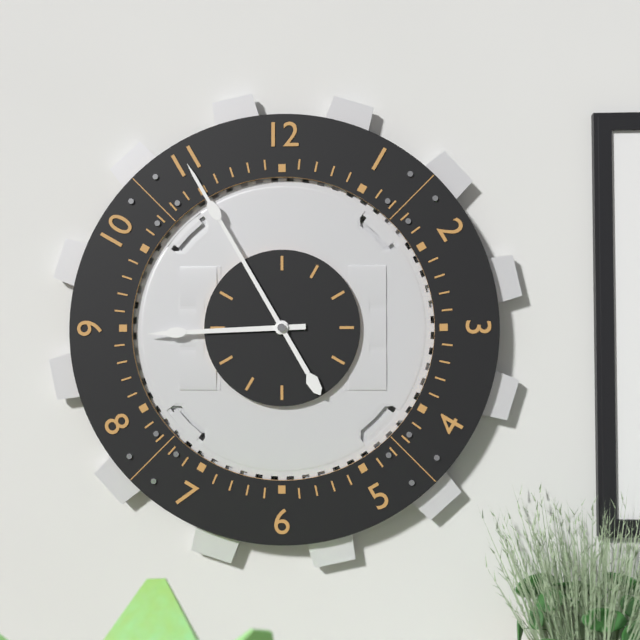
**8:55**
